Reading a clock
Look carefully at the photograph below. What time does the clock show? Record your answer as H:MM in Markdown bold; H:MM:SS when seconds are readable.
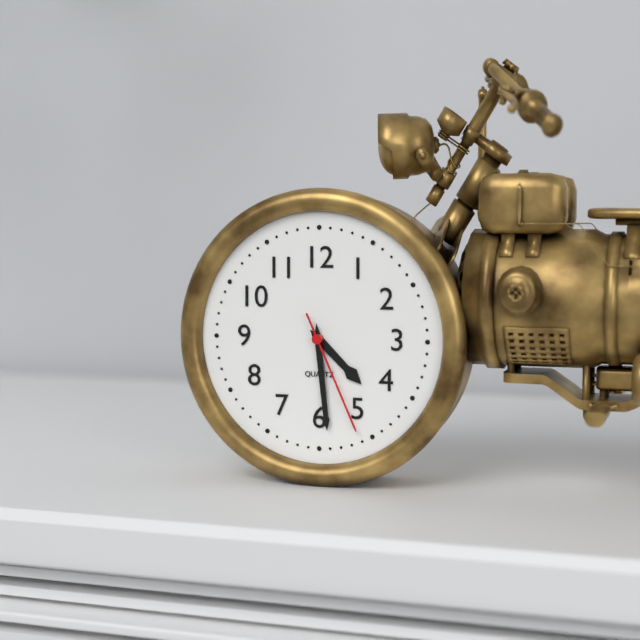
**4:29:26**
